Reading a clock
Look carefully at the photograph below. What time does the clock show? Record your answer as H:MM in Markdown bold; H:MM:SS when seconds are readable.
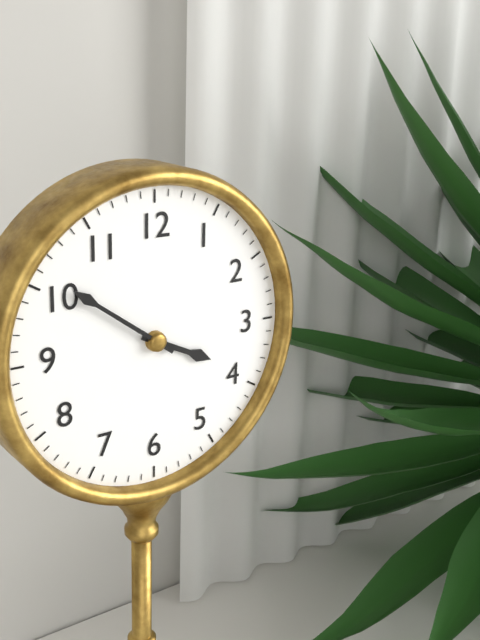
**3:51**
